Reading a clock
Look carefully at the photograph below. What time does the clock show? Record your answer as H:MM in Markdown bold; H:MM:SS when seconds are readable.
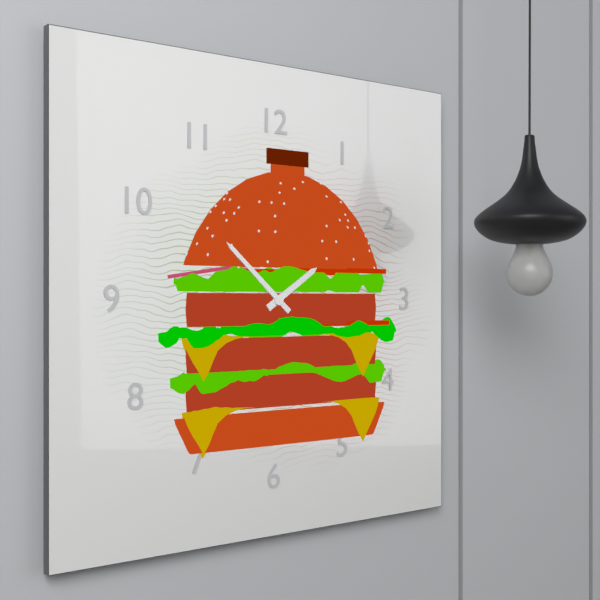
**1:52**
